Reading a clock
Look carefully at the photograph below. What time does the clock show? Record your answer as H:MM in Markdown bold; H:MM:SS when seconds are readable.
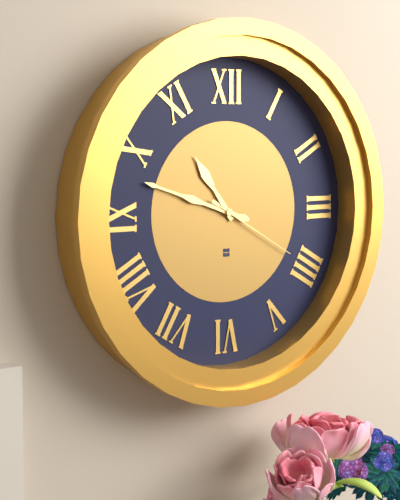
**10:48:20**
